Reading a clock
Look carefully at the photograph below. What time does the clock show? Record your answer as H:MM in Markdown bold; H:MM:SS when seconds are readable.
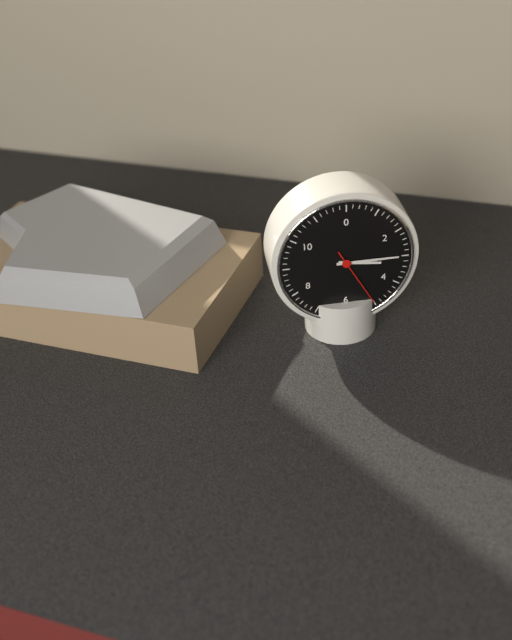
**3:15:25**
